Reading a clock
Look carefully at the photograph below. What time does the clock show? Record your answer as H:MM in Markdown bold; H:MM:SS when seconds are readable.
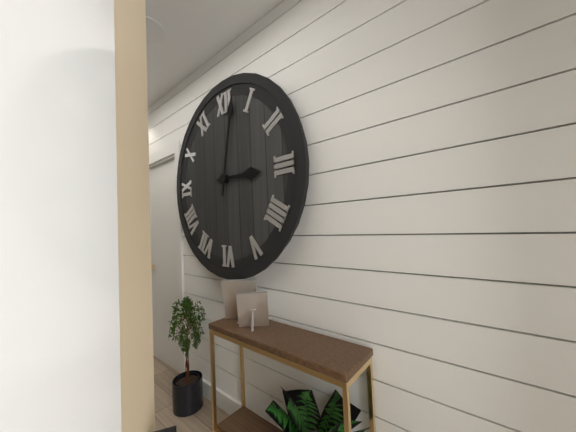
**3:02**
